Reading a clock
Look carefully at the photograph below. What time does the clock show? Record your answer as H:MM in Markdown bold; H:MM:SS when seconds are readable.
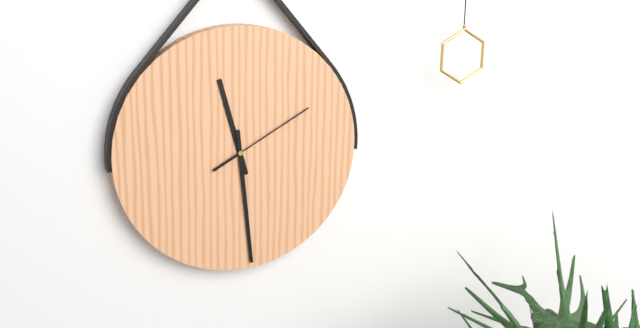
**11:29:10**
